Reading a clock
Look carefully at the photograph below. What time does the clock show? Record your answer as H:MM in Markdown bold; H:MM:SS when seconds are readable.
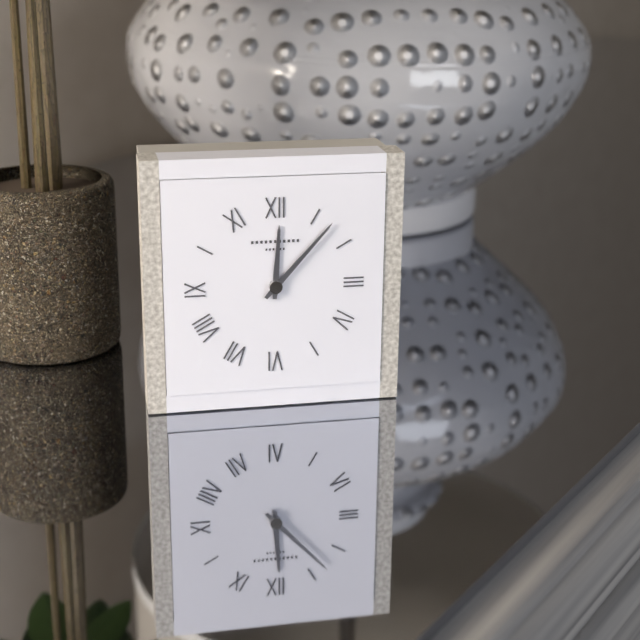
**12:07**
